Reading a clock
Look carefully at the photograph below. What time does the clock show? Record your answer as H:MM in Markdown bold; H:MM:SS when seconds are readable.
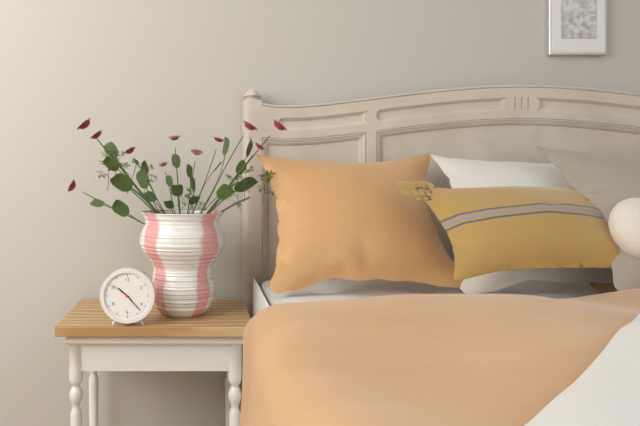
**10:23**
